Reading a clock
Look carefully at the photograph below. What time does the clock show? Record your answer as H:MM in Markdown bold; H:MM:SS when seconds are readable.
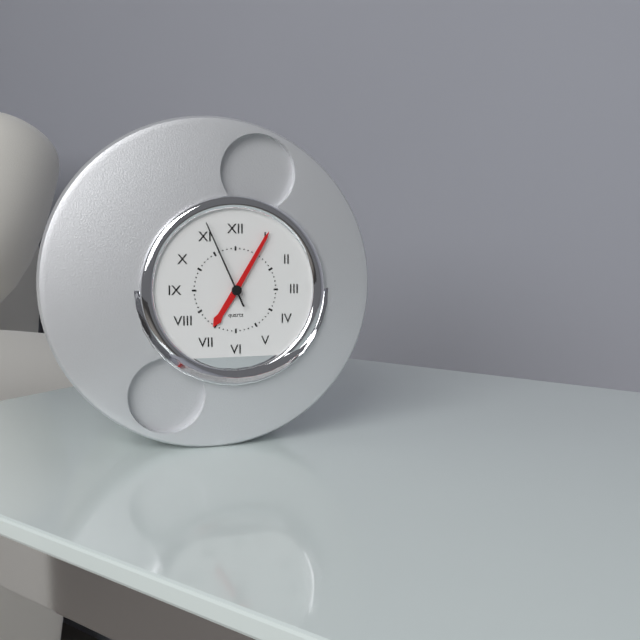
**7:05:56**
